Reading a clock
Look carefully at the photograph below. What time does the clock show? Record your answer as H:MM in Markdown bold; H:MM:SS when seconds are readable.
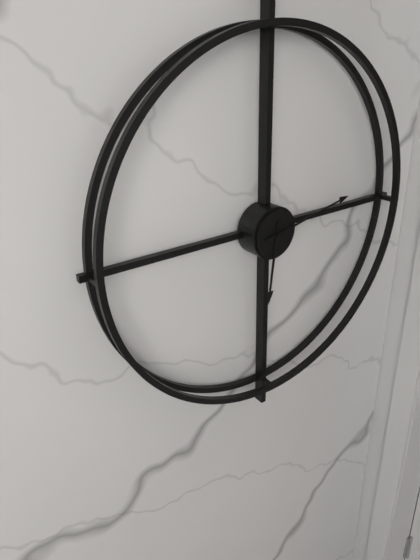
**6:13**
